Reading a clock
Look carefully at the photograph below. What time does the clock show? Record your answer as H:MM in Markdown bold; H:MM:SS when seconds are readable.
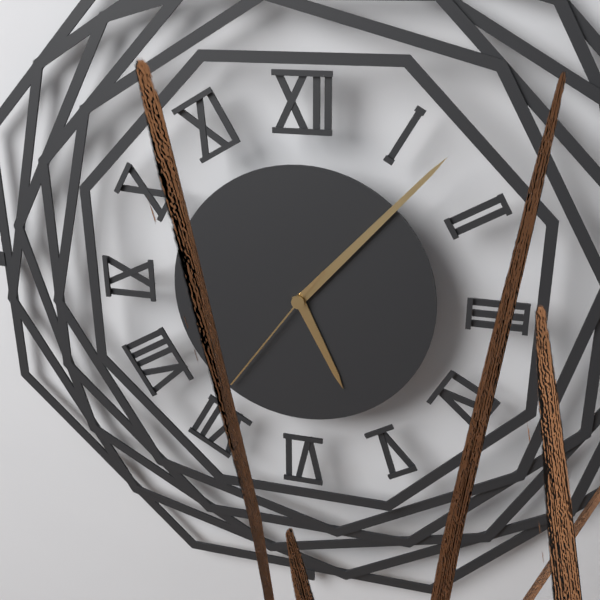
**5:07:36**
